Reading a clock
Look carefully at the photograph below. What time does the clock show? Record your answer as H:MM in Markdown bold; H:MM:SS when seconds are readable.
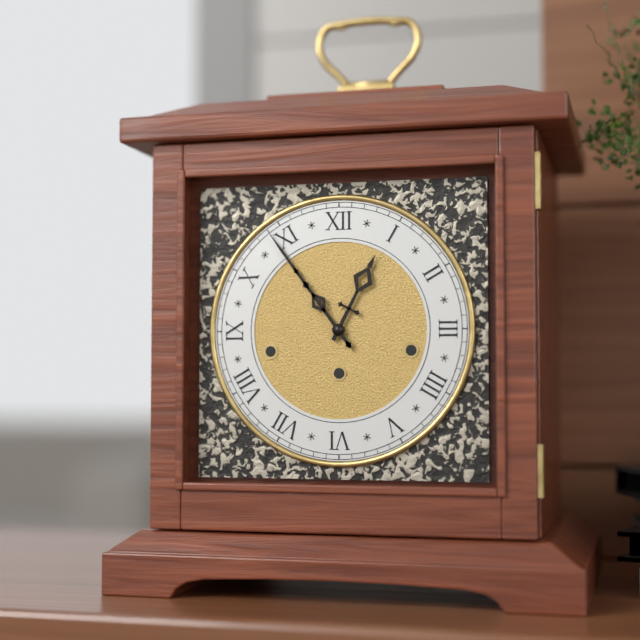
**12:54**
